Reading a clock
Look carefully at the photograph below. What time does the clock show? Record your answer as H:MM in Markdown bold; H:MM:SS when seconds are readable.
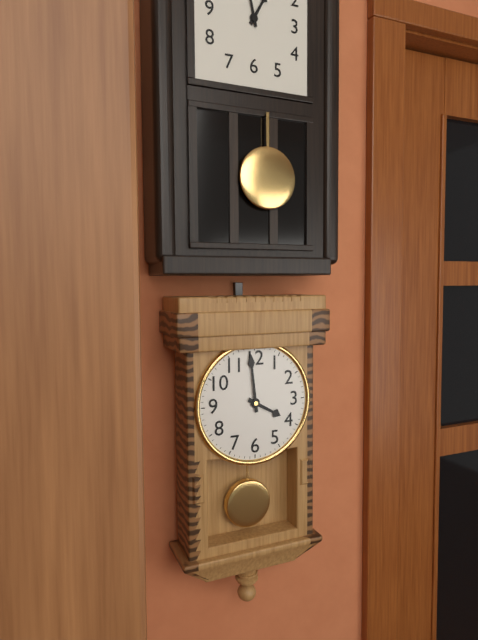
**3:59**
